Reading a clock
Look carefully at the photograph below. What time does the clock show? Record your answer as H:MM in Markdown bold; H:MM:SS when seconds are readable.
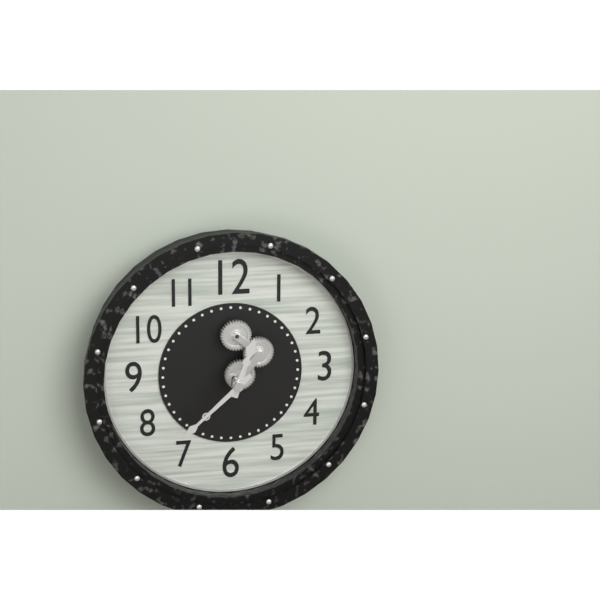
**12:38**
